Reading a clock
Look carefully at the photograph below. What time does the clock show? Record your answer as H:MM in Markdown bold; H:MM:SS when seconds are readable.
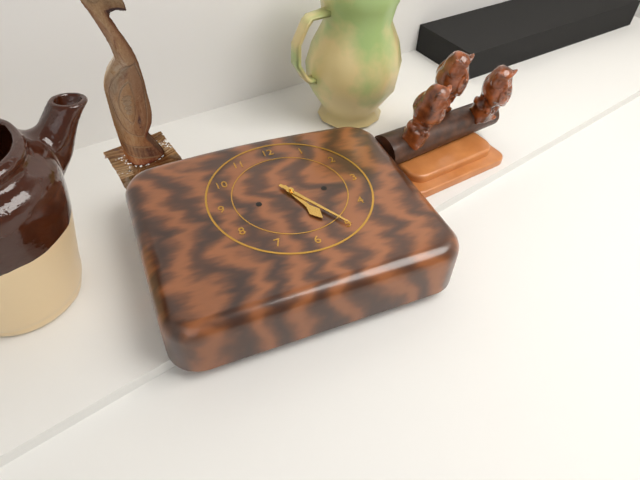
**5:25**
